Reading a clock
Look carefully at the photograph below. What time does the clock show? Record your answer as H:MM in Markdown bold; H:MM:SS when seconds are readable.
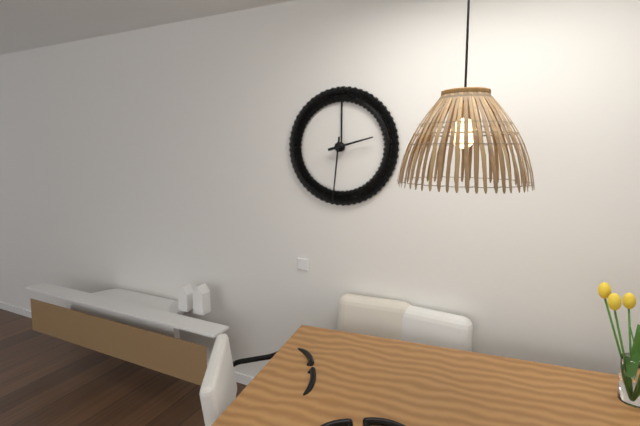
**2:31**
